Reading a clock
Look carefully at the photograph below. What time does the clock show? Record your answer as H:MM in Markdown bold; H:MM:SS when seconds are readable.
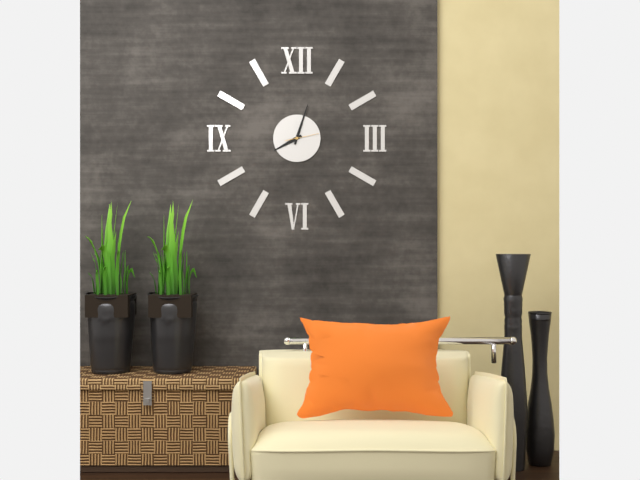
**8:03**
